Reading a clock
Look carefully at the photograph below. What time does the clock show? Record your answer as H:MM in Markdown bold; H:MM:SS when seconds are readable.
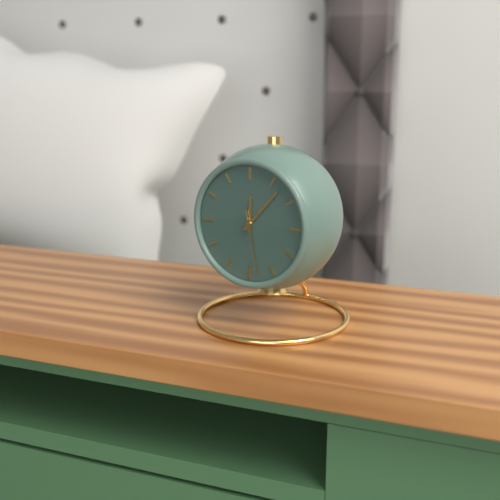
**12:07:28**
